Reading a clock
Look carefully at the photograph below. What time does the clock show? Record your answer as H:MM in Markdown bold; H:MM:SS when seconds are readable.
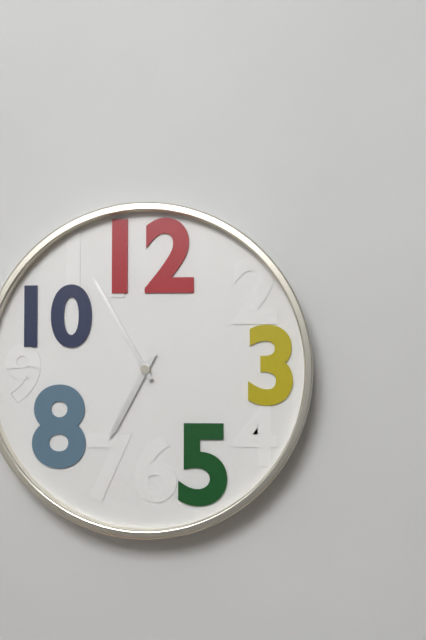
**6:55**
